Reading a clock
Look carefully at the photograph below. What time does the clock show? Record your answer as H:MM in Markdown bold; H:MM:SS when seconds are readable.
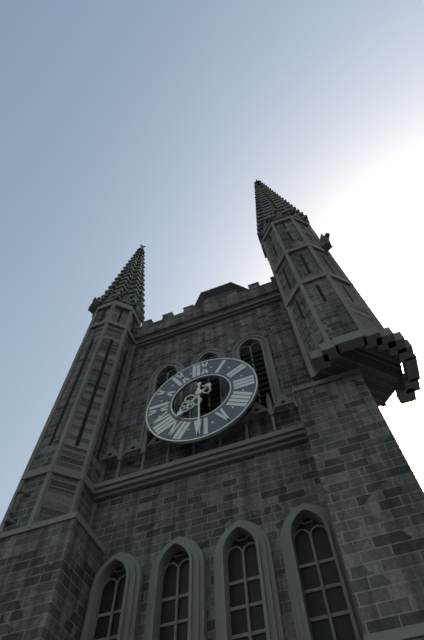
**7:30**
